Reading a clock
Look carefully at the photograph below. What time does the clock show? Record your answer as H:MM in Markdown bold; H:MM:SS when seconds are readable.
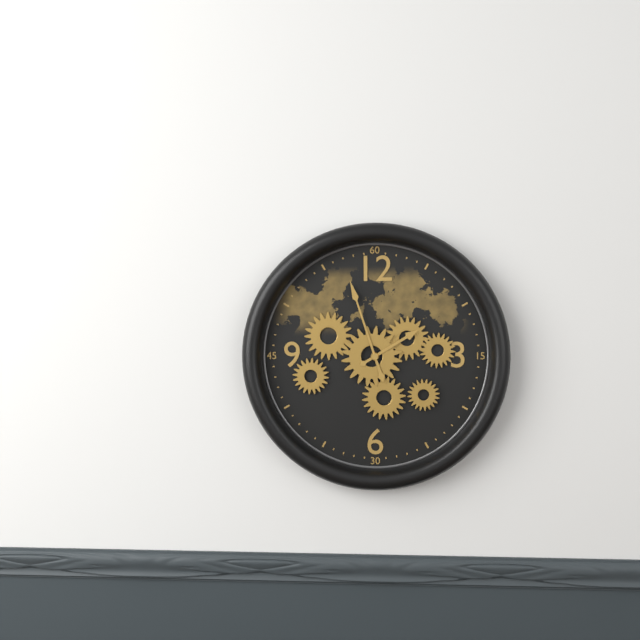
**1:57**
